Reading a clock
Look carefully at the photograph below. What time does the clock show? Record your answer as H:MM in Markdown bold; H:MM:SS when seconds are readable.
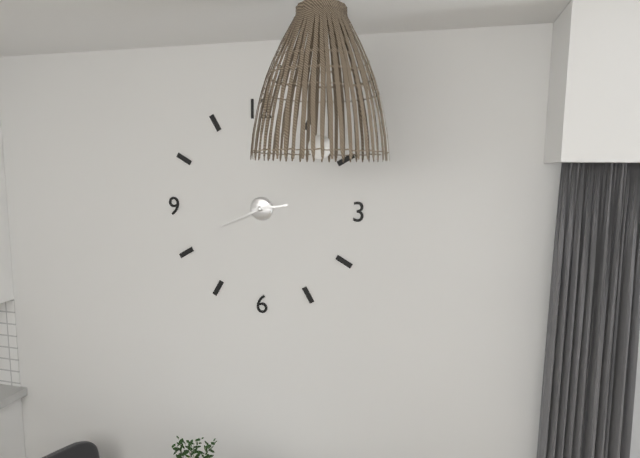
**2:41**
